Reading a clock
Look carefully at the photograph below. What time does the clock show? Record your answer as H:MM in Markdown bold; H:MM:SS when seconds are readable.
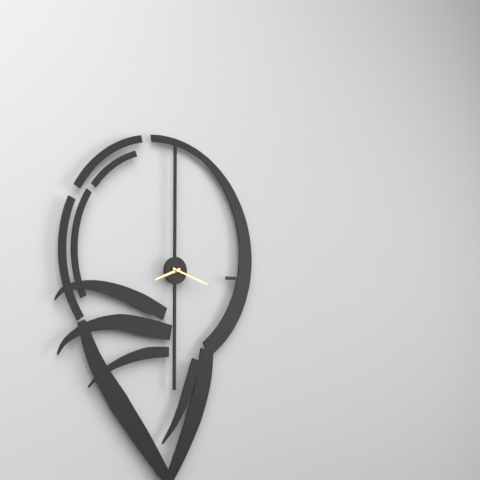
**8:18**
